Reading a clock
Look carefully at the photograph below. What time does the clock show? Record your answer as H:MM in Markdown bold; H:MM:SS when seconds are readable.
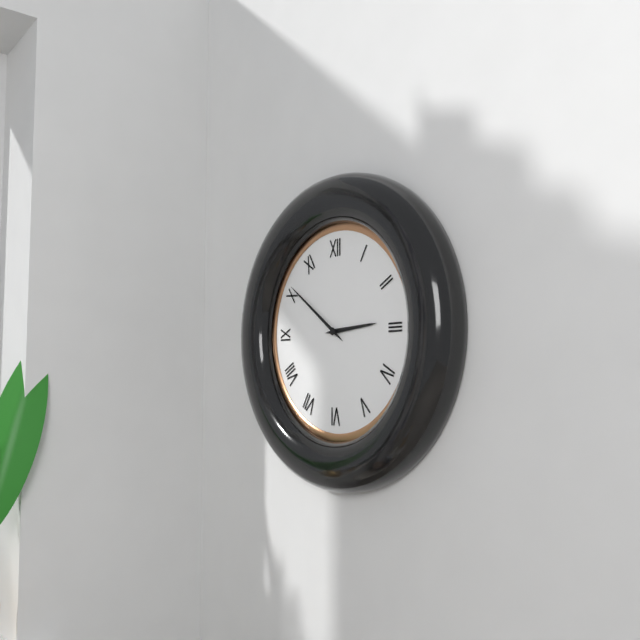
**2:51**
